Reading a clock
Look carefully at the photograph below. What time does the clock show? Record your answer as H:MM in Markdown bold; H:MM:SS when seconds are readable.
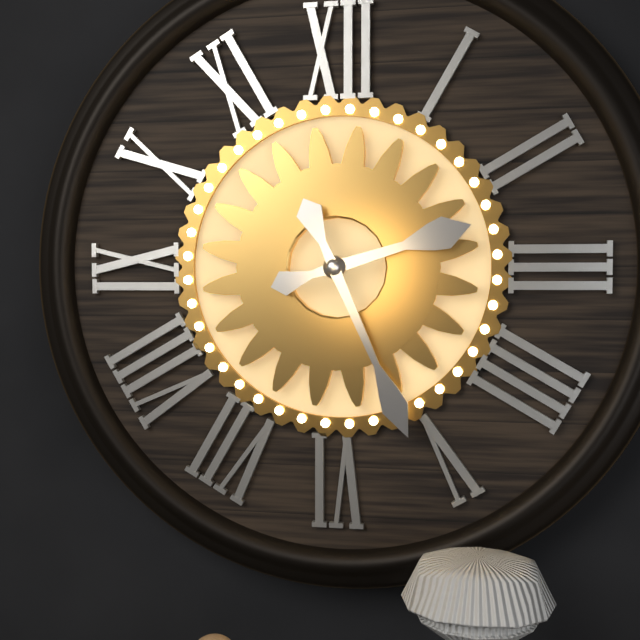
**2:26**
